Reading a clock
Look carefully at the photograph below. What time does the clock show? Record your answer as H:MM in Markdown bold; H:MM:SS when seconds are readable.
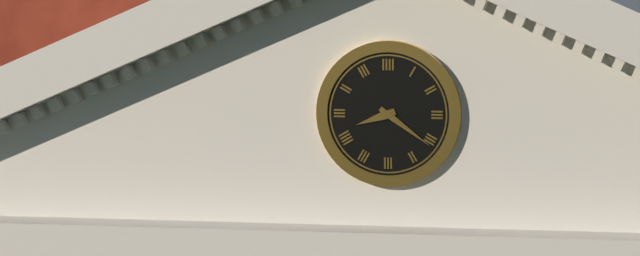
**8:21**
